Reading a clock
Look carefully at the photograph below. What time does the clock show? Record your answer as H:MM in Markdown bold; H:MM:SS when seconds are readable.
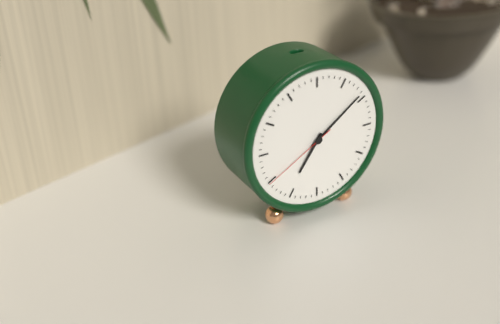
**7:09:40**
